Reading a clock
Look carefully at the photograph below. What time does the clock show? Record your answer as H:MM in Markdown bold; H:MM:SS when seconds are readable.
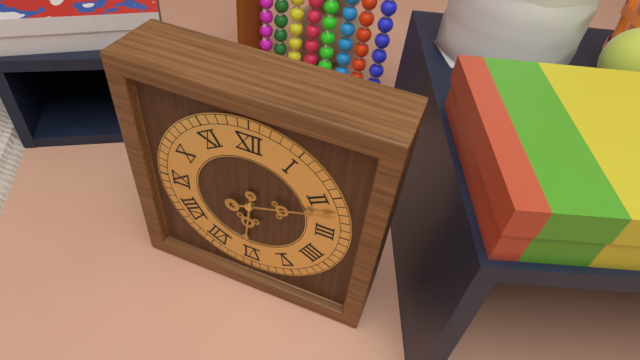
**6:12**
